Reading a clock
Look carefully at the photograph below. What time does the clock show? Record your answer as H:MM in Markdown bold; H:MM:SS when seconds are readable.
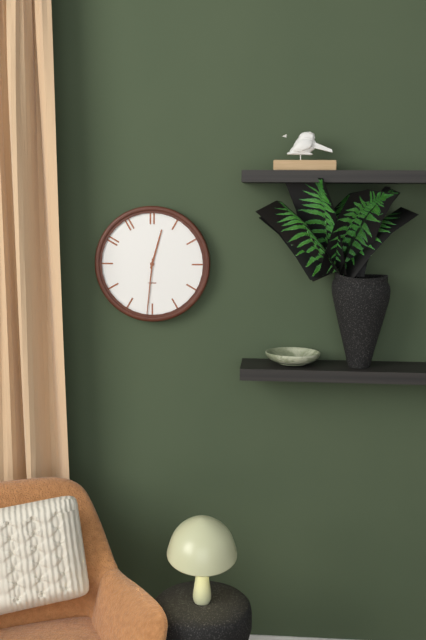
**12:31**
